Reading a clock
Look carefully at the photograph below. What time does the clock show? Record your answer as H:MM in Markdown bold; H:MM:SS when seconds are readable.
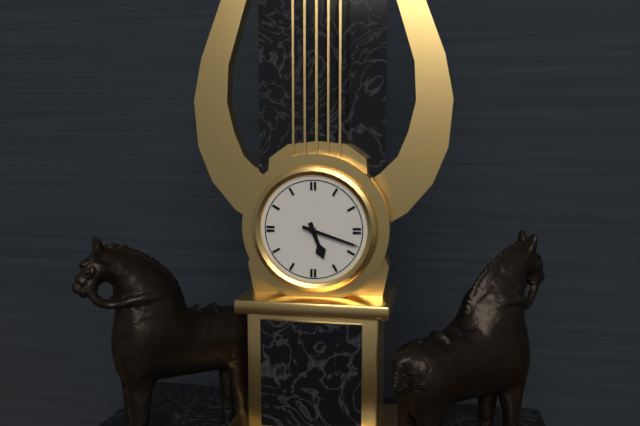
**5:18**
